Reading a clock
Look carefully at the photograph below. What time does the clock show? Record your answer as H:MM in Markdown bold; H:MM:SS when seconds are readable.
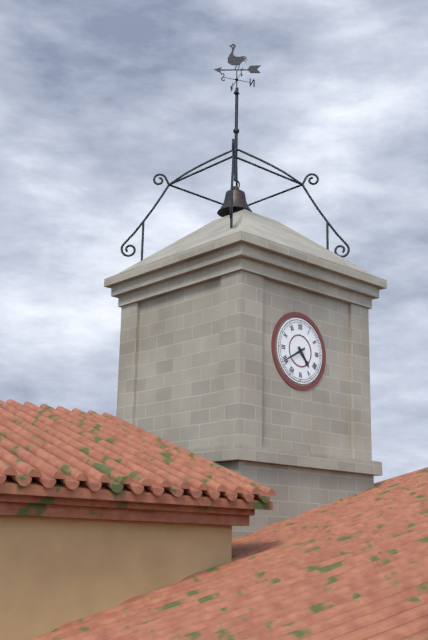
**4:40**
